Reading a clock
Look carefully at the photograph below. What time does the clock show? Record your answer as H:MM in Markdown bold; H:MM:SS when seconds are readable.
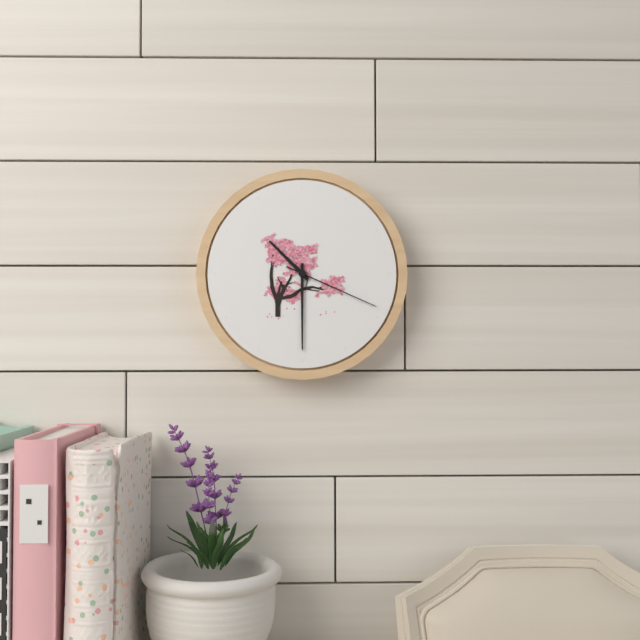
**10:30:19**
